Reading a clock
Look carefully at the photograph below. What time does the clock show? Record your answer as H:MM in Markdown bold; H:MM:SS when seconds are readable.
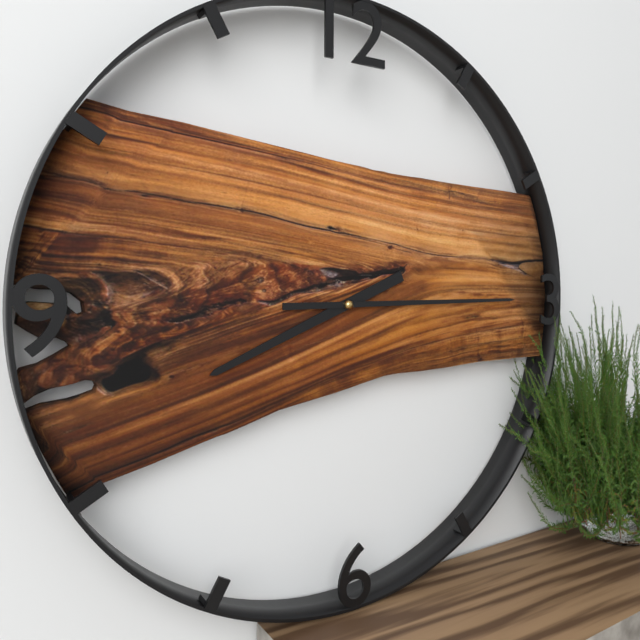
**8:15**
